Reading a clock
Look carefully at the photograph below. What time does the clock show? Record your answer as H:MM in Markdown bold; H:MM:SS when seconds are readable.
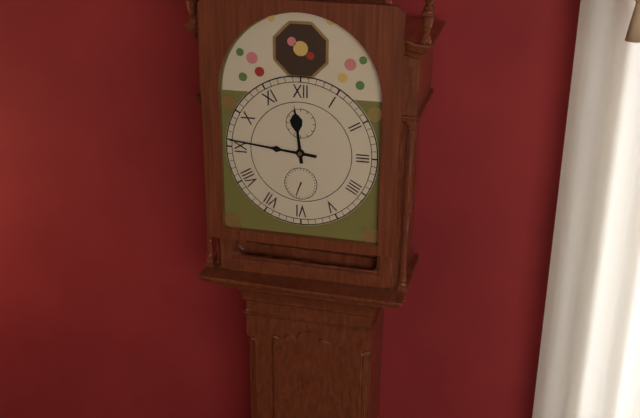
**11:46**
